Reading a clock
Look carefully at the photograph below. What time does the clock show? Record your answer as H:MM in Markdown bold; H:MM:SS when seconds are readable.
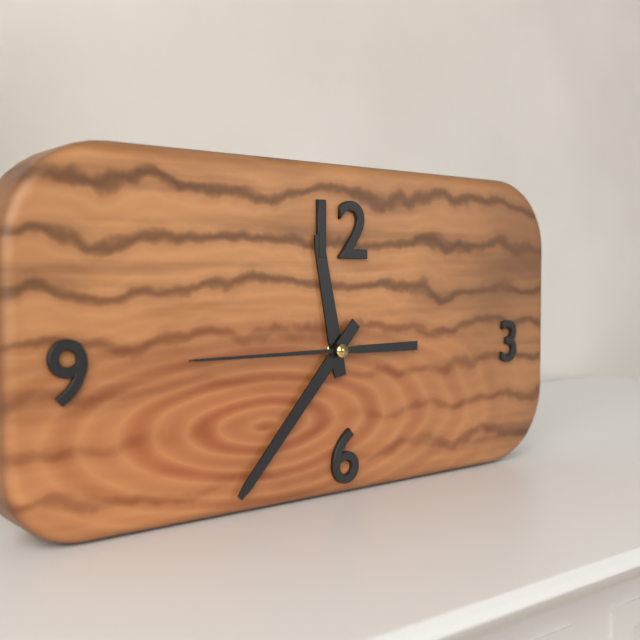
**11:37:45**
